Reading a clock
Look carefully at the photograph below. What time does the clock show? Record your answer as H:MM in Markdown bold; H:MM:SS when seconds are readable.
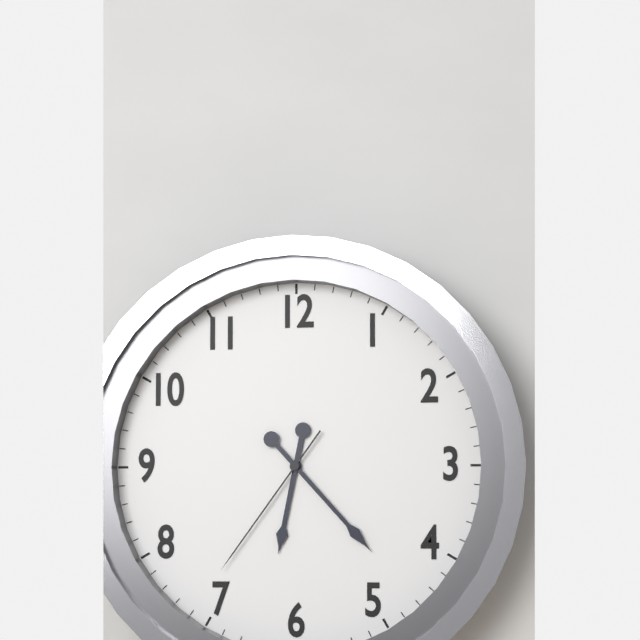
**6:23:36**
